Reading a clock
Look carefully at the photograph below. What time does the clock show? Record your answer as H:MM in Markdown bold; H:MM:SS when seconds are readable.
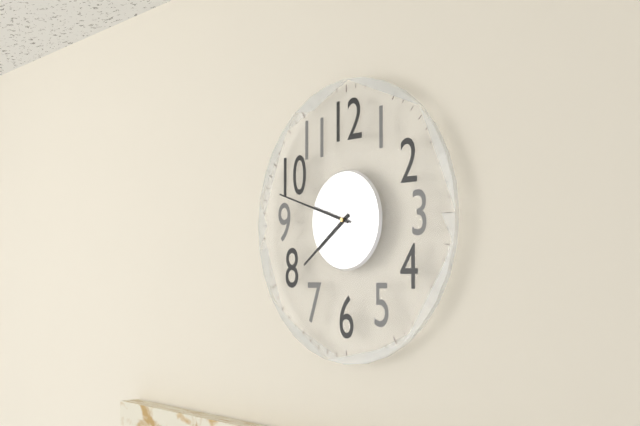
**7:48**
